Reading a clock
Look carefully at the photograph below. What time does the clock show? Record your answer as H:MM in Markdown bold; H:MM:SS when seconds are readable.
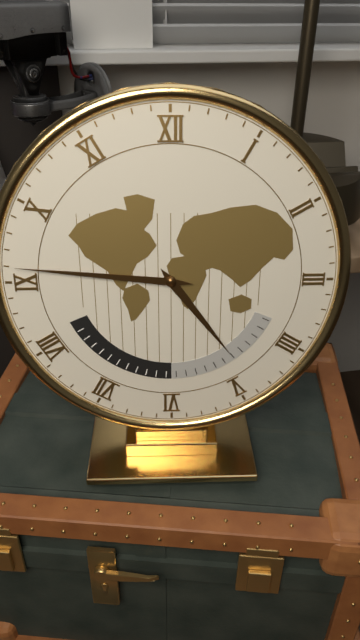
**4:46**
